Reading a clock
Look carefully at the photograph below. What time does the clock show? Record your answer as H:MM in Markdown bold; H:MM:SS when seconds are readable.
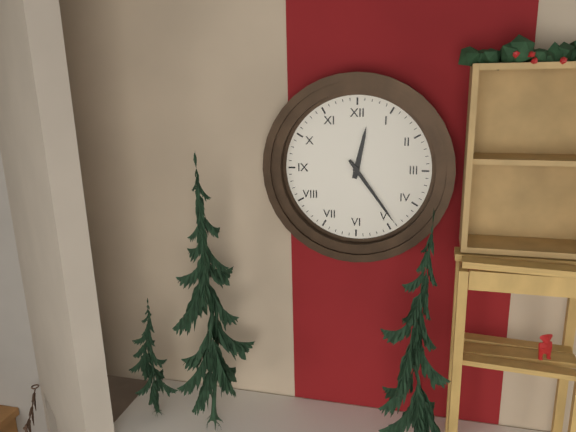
**12:24**
